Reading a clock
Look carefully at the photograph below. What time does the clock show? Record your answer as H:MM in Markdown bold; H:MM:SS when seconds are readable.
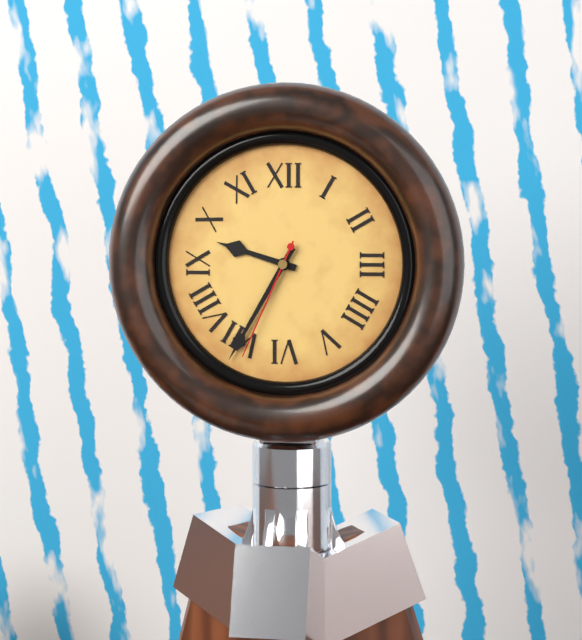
**9:35:34**
